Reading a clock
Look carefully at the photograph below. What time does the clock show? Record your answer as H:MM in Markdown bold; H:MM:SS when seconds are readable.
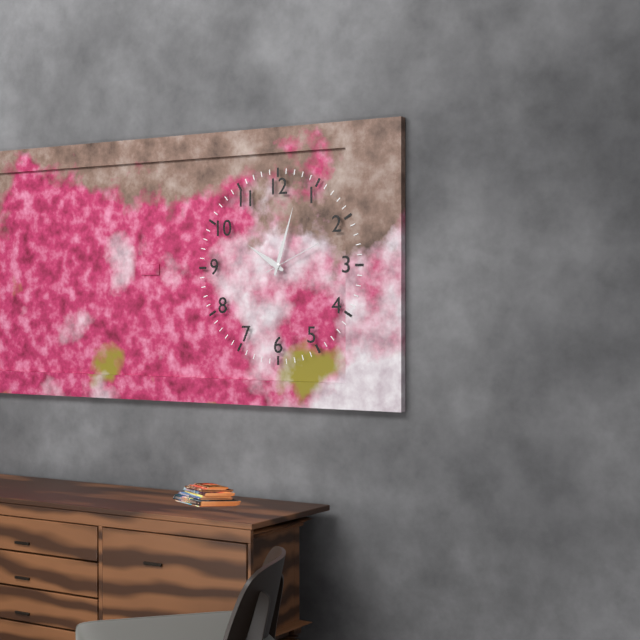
**10:03:11**
